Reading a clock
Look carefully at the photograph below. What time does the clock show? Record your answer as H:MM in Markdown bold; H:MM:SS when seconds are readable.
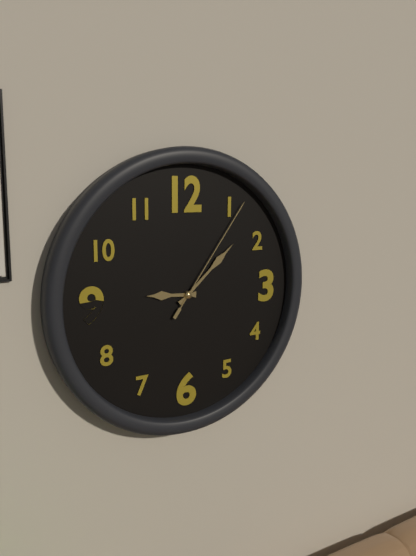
**9:08:06**
